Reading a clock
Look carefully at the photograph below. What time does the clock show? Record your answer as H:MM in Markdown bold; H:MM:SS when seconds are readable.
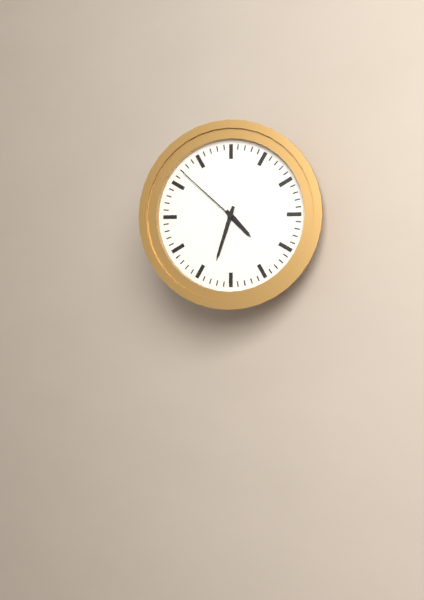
**4:33:52**
